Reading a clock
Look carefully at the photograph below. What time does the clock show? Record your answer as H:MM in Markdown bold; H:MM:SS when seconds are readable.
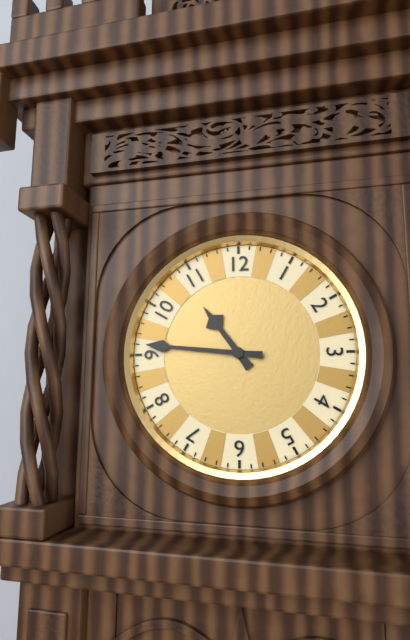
**10:46**
